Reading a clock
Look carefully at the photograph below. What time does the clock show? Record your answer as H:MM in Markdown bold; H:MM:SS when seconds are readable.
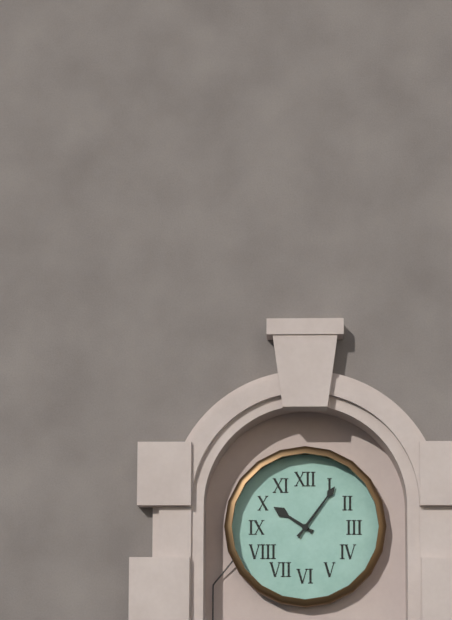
**10:06**
